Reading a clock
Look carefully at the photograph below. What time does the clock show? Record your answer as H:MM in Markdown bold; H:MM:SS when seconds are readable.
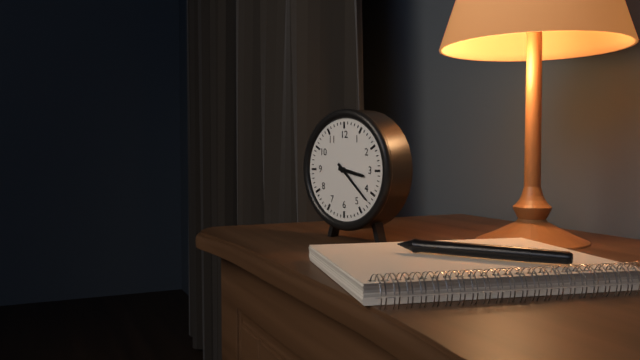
**3:22**
